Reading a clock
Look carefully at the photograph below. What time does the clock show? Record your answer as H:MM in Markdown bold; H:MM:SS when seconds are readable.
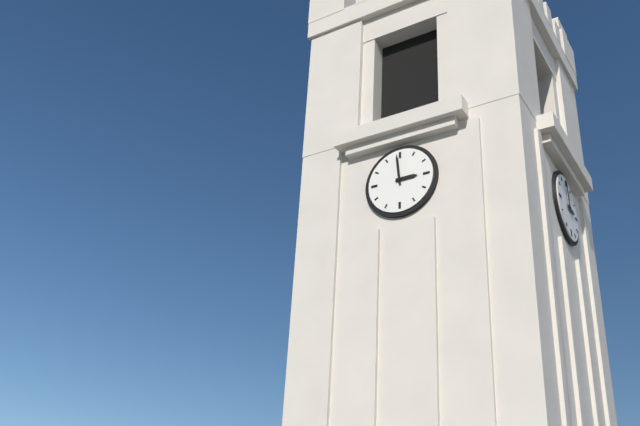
**2:59**
